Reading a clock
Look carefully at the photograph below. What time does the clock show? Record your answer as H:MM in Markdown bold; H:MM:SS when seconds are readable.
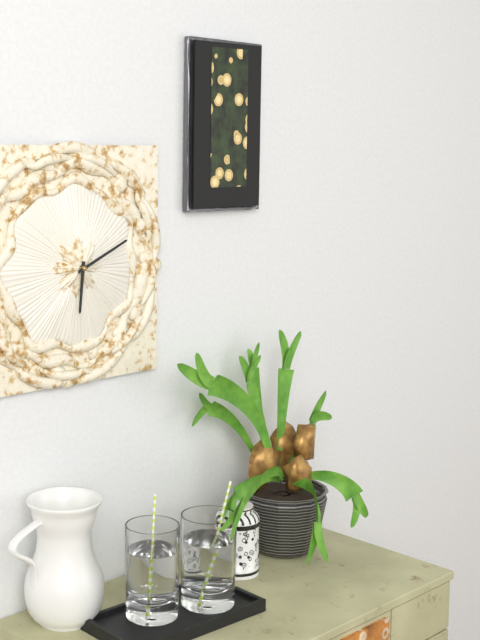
**6:11**
